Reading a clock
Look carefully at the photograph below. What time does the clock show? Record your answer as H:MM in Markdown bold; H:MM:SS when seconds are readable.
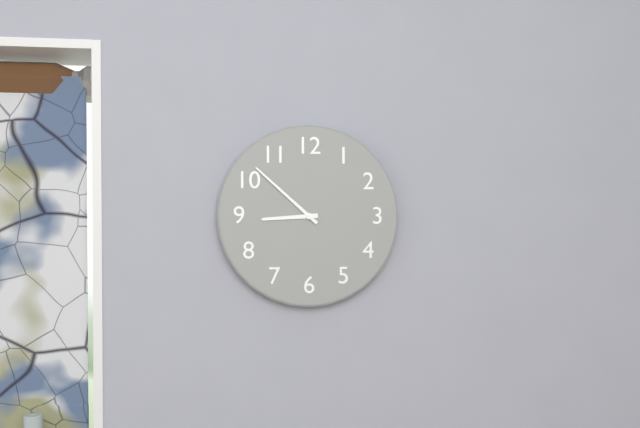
**8:52**
